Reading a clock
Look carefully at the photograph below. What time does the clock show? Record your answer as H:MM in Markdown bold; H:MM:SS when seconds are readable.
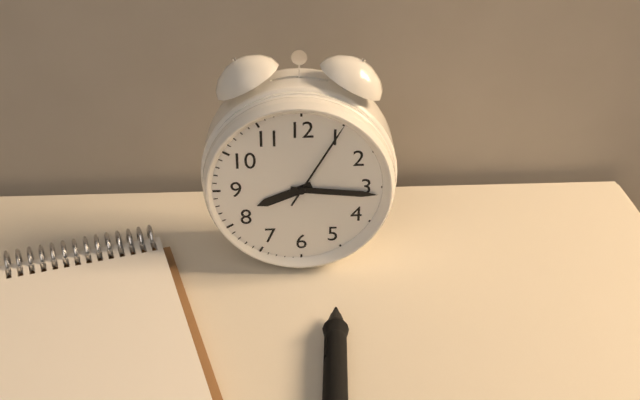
**8:16:05**
